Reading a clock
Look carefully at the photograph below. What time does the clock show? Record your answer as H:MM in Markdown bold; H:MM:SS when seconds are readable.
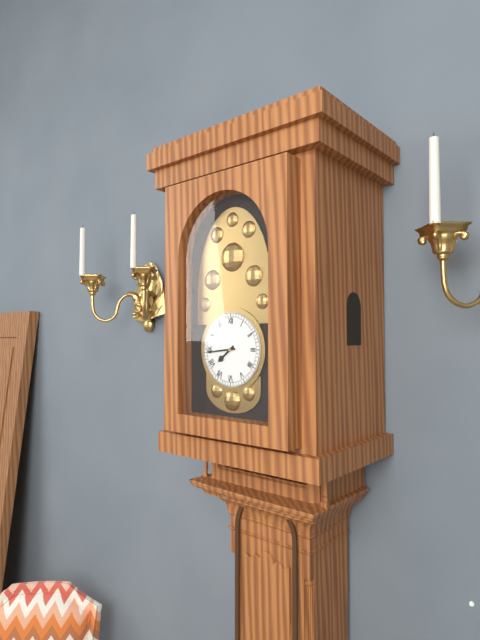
**7:44**
